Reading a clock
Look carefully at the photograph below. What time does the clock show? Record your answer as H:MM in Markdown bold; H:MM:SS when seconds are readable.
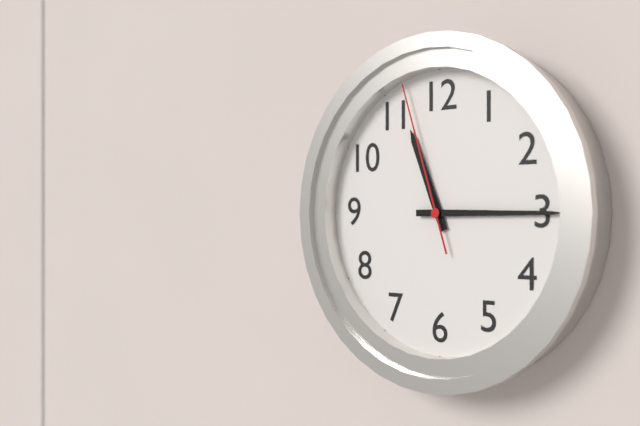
**11:15:57**
